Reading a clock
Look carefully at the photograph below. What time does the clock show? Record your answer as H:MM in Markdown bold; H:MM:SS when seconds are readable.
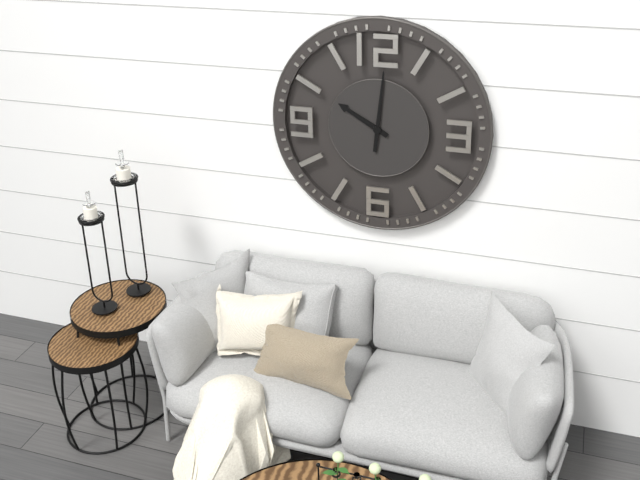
**10:01**
